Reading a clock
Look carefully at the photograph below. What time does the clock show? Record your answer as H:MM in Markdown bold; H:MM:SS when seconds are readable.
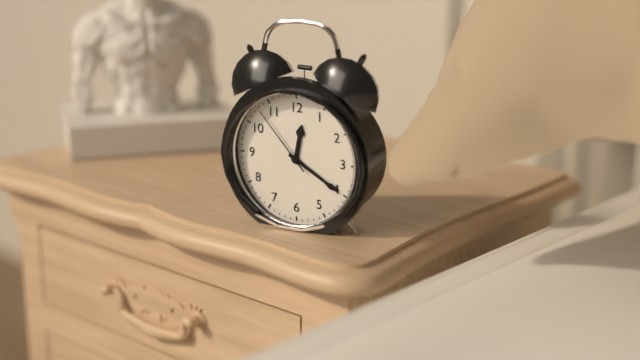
**12:20:53**
